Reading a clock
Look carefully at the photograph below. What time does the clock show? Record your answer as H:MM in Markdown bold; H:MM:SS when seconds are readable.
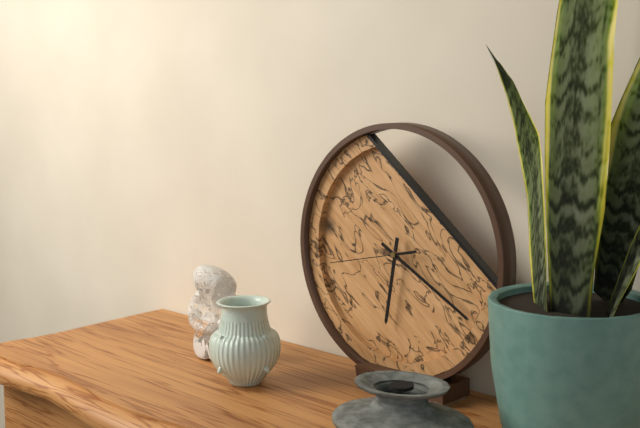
**6:20:43**
